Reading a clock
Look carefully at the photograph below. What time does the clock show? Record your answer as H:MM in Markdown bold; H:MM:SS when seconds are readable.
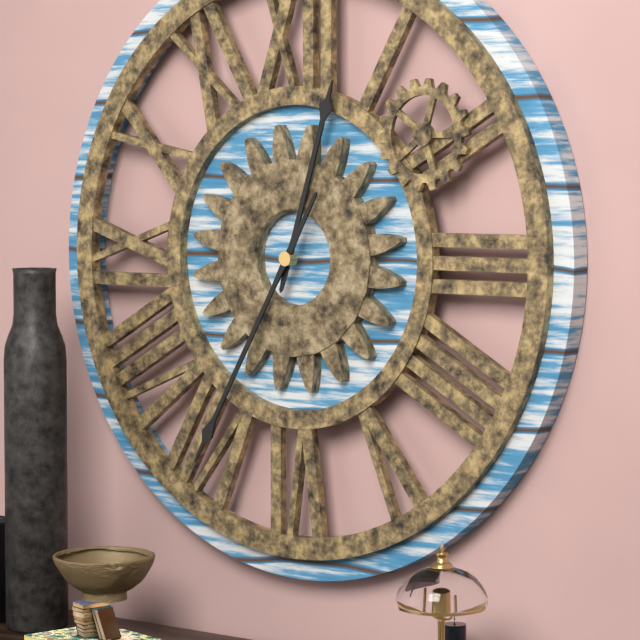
**12:35**
